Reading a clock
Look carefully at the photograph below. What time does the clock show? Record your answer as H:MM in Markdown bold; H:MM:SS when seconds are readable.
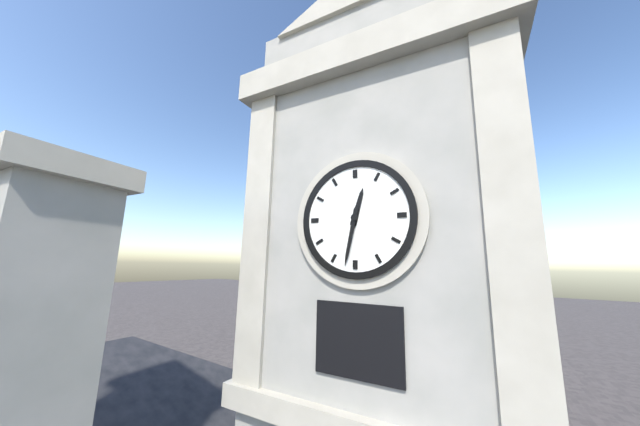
**12:32**
